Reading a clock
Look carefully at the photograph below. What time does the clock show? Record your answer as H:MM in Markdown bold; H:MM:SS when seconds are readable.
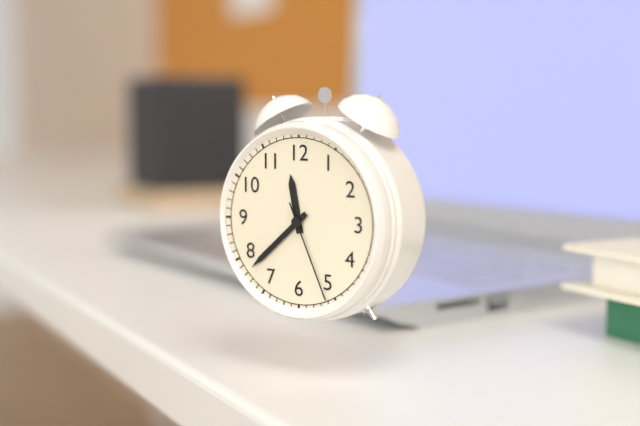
**11:38:26**
